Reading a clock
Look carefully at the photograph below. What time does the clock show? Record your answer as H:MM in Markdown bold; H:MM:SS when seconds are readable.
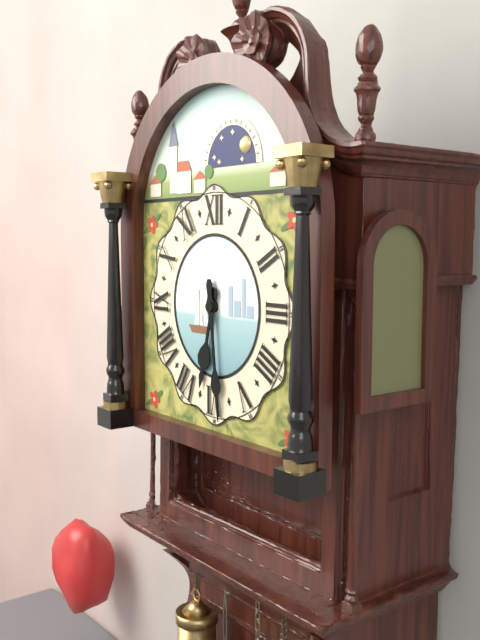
**6:29**
